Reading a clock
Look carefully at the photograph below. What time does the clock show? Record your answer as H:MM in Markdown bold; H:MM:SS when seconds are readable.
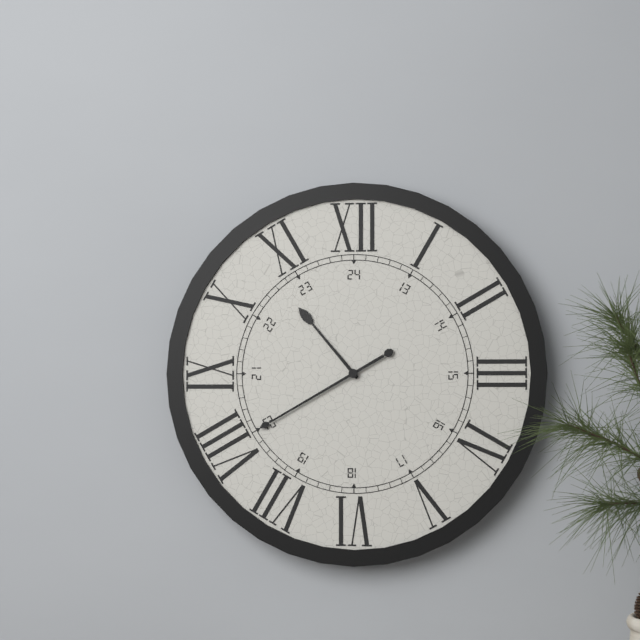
**10:40**
